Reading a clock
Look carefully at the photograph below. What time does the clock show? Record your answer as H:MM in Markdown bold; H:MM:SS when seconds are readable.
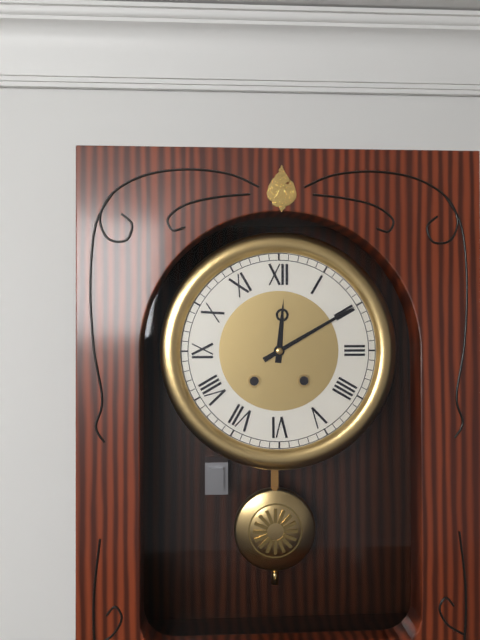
**12:10**
